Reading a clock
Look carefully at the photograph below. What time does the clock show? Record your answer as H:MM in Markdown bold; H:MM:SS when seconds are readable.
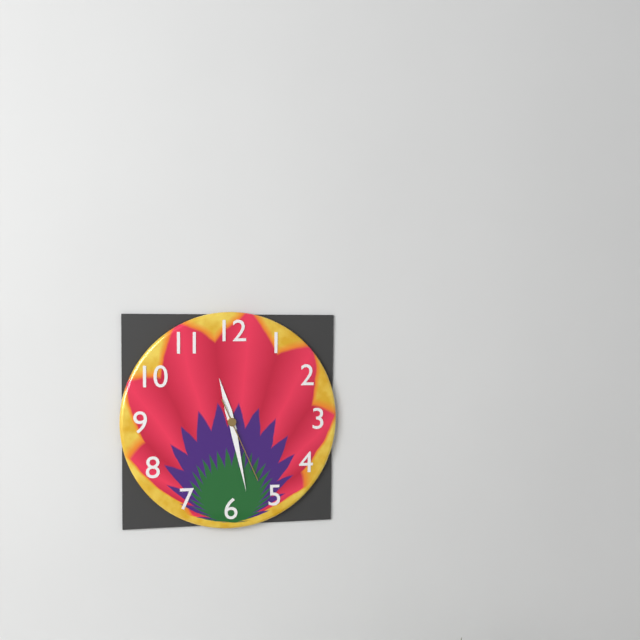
**11:28:26**
